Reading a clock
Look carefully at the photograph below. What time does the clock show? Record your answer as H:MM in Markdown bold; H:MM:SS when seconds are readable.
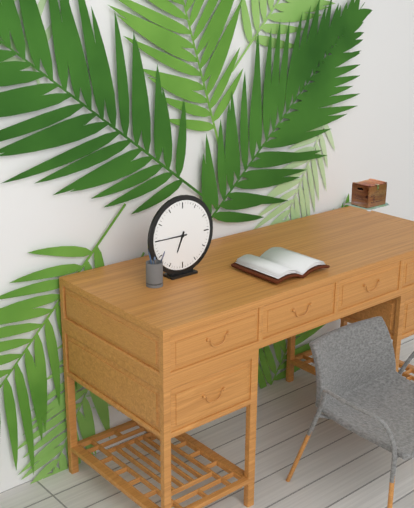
**6:45**
